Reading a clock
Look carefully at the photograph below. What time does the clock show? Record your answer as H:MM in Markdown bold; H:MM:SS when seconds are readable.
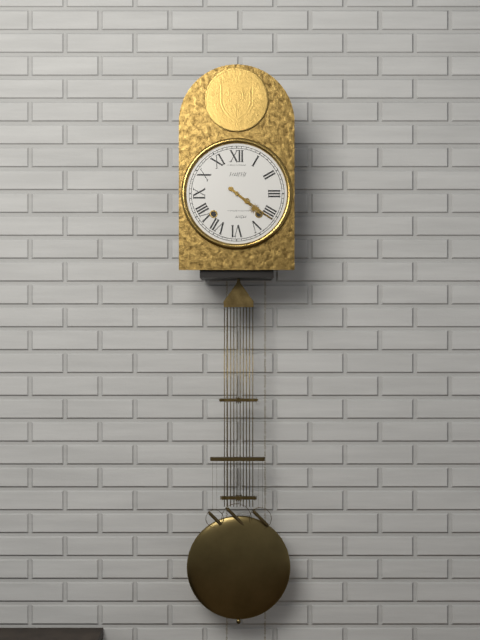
**4:21**
